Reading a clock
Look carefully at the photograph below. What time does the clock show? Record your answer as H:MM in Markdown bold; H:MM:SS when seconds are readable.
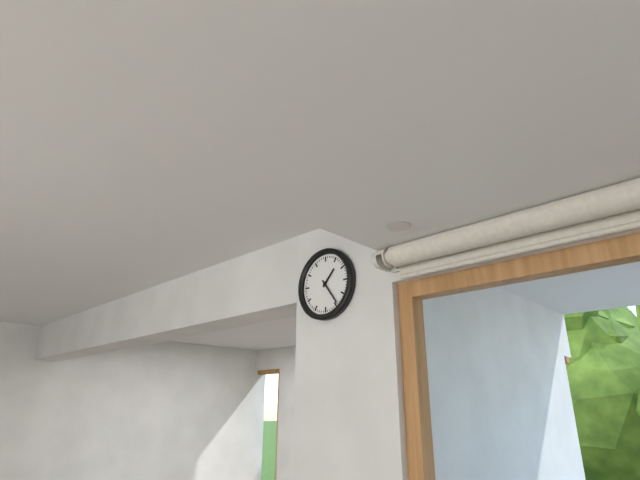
**1:24**
